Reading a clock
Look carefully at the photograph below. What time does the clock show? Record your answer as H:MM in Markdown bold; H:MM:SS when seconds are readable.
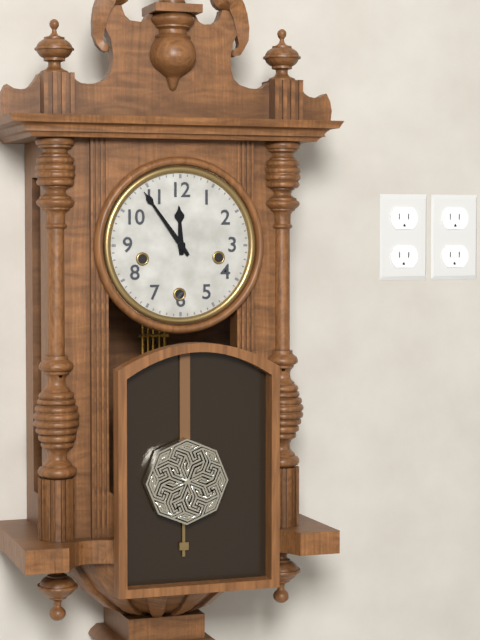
**11:54**
